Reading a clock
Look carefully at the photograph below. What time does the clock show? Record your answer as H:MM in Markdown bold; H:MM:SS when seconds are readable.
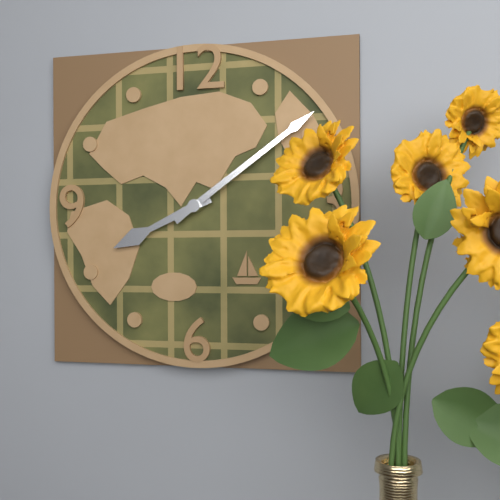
**8:09**
